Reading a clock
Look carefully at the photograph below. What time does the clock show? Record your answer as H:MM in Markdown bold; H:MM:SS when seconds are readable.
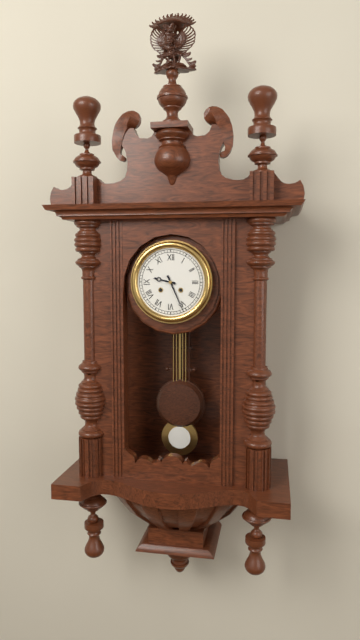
**9:26**
